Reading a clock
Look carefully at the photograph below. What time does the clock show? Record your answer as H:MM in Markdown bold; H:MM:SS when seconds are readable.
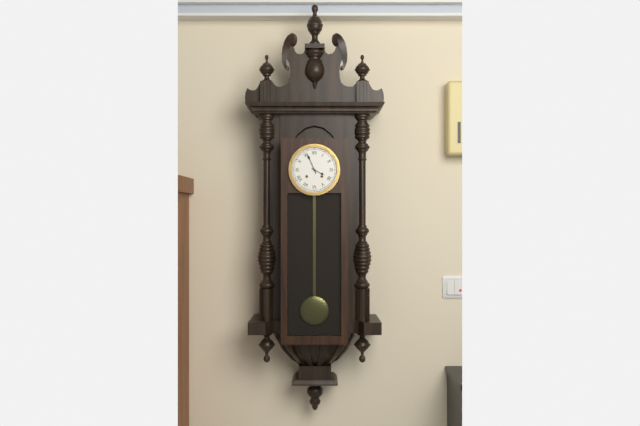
**3:56**
